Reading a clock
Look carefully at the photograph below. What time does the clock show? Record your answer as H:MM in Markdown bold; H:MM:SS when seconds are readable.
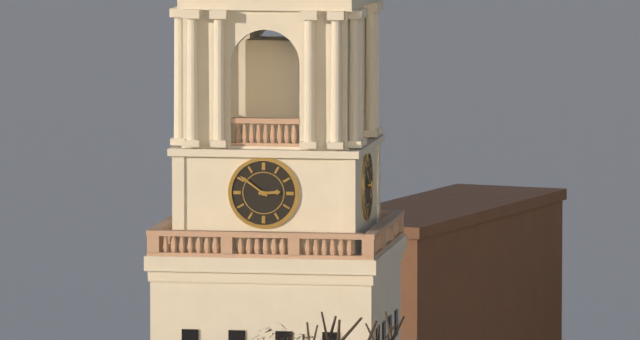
**2:51**
